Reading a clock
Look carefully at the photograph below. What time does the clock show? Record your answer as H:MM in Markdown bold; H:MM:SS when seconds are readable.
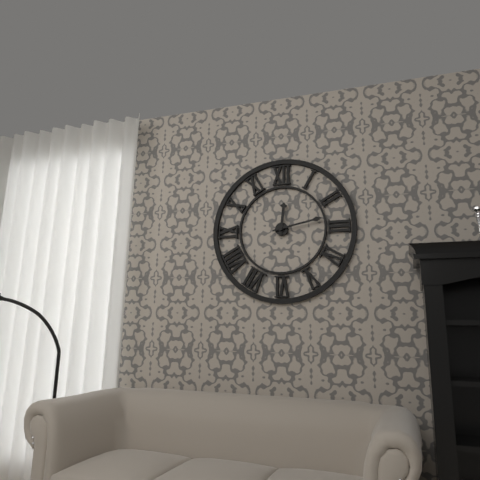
**12:13**
